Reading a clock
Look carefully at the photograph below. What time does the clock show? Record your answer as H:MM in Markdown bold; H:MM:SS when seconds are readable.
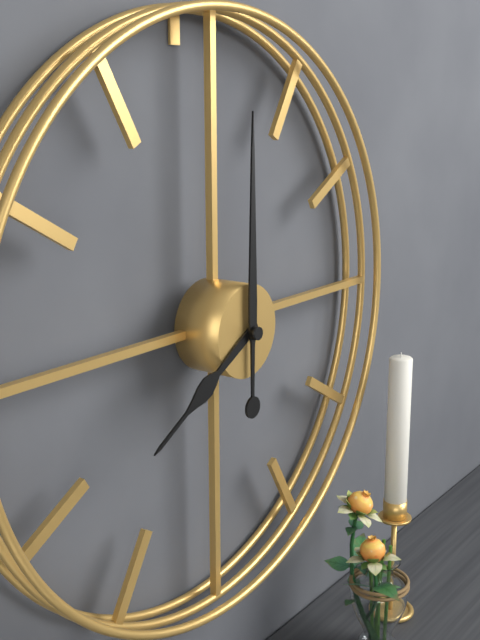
**8:00**
